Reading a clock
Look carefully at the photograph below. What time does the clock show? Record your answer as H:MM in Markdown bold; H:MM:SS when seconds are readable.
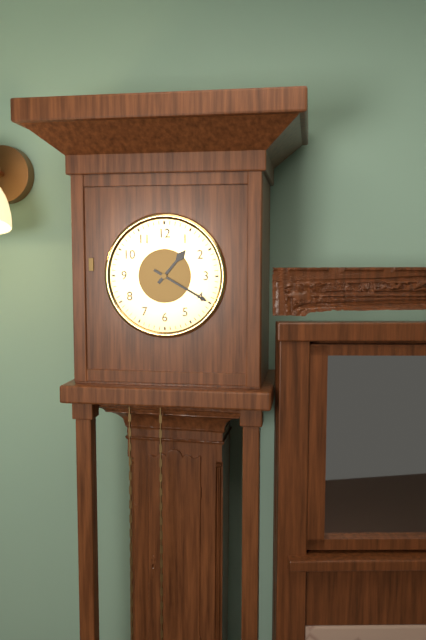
**1:20**
